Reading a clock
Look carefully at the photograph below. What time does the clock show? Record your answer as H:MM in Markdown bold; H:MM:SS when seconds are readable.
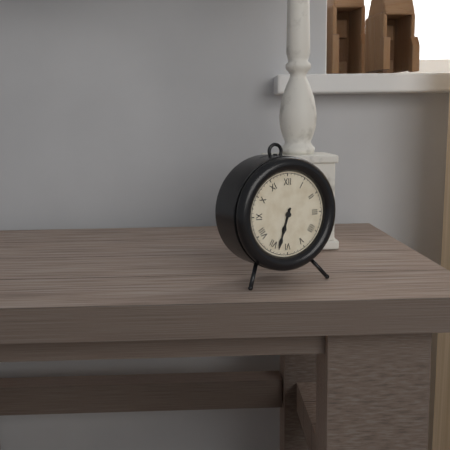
**6:33**
